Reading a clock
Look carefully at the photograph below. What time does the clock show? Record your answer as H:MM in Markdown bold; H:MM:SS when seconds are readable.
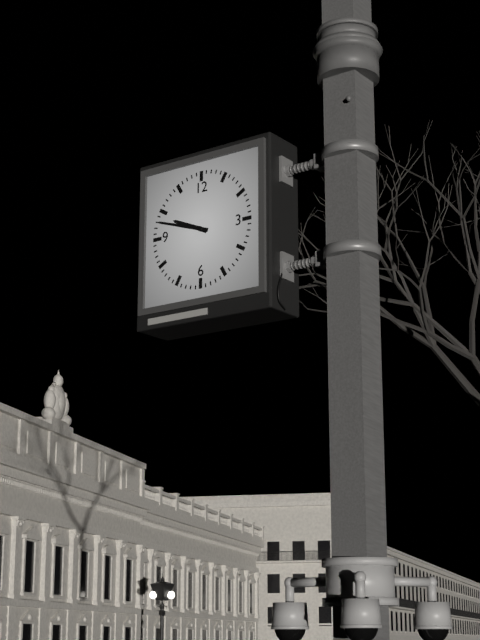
**9:48**
